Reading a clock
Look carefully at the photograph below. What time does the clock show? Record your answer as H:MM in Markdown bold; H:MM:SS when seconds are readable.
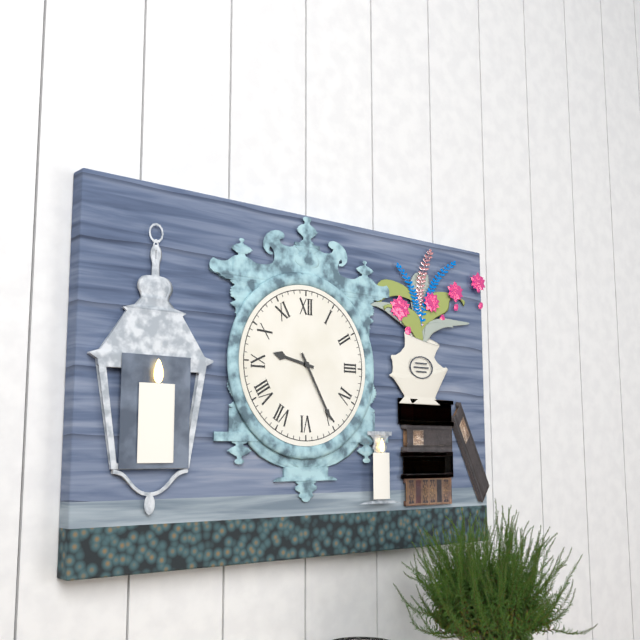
**9:25**
